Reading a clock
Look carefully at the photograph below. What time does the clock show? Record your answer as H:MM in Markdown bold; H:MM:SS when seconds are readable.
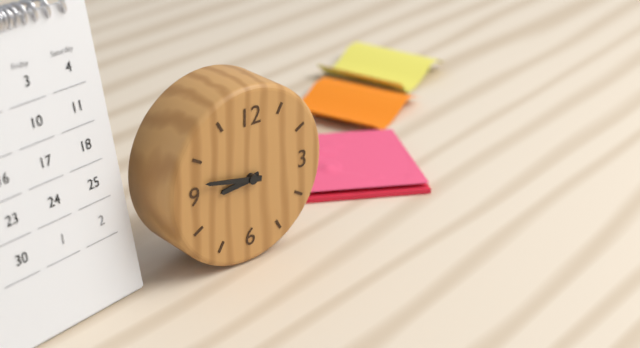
**8:47**
